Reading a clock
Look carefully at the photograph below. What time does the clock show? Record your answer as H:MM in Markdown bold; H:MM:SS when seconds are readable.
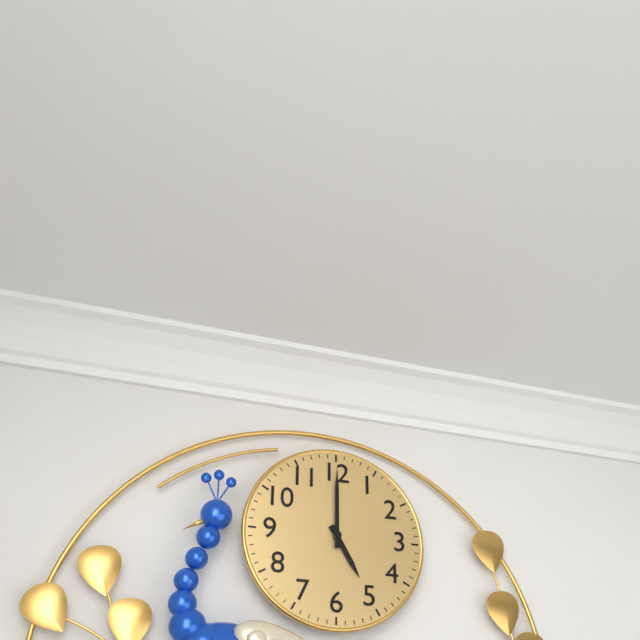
**5:00**
